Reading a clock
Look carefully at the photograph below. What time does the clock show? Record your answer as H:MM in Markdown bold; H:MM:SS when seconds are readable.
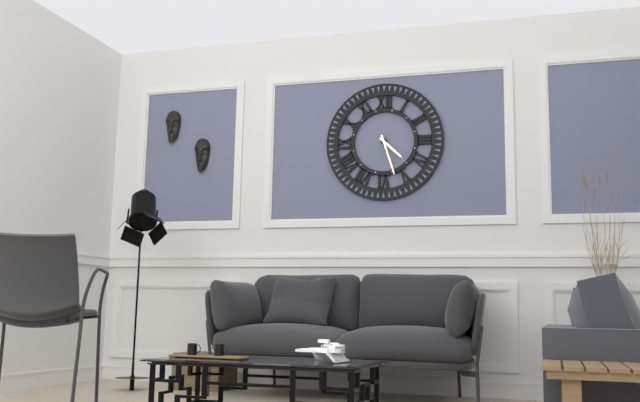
**4:27**
